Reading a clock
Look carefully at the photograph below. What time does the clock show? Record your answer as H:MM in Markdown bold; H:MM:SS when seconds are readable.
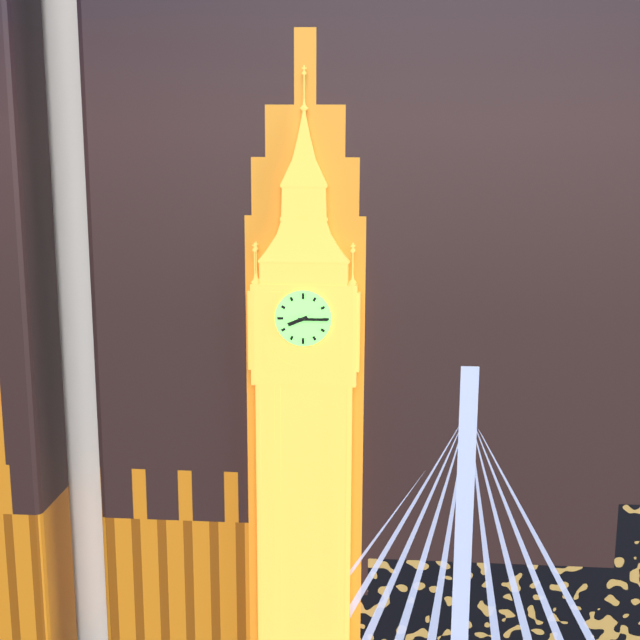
**8:15**
